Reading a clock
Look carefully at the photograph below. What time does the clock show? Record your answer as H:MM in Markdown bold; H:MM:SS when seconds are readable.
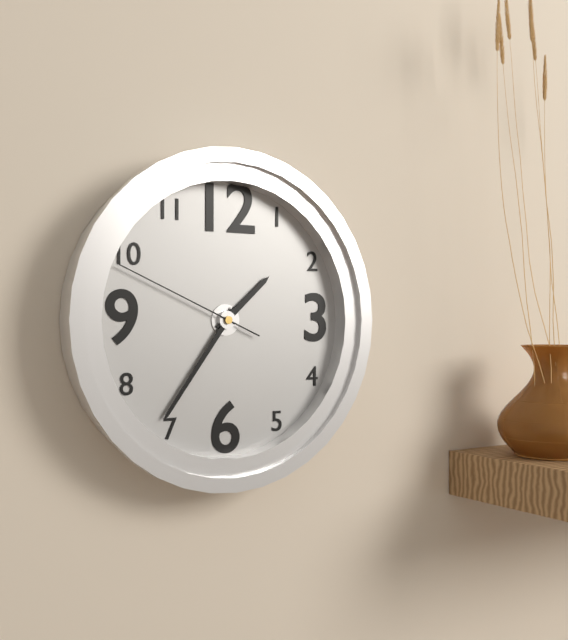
**1:36:49**
